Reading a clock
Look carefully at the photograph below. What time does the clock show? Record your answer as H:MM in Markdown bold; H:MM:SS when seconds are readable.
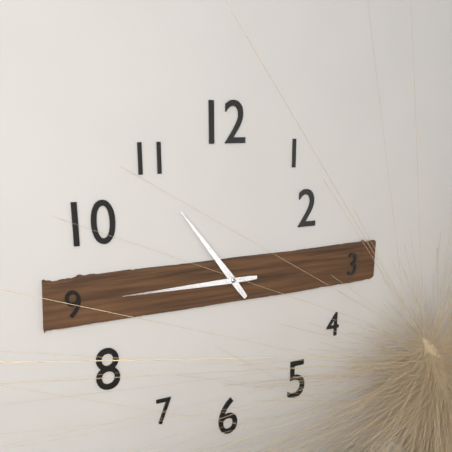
**10:45**
